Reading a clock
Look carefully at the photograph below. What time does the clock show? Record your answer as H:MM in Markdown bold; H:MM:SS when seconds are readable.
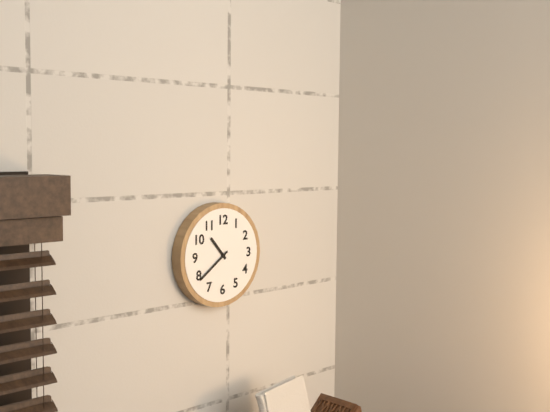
**10:39**
